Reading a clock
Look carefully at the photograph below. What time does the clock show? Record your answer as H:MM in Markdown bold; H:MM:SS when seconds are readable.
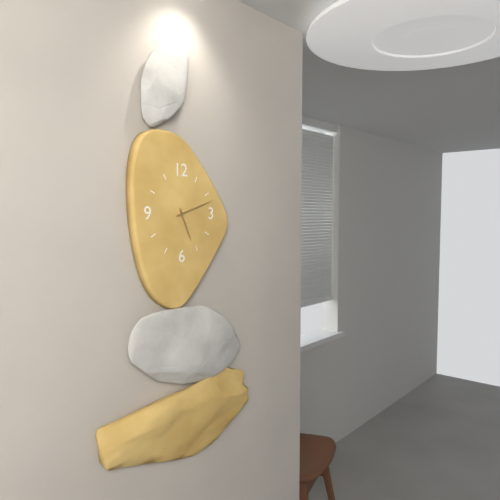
**5:12**
